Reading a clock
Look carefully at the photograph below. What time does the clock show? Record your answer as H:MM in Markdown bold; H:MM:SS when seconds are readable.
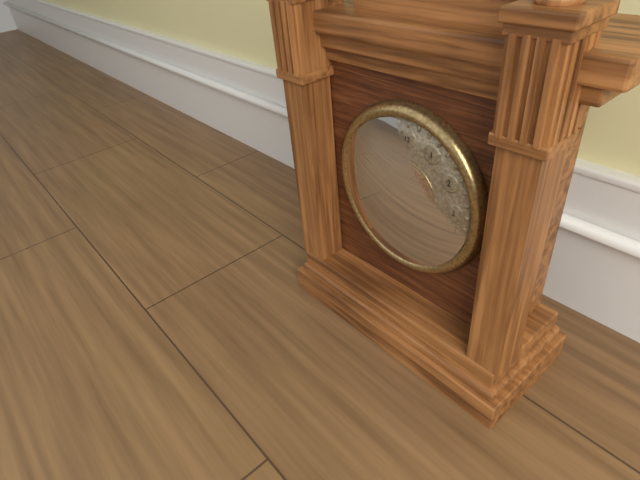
**9:39**
